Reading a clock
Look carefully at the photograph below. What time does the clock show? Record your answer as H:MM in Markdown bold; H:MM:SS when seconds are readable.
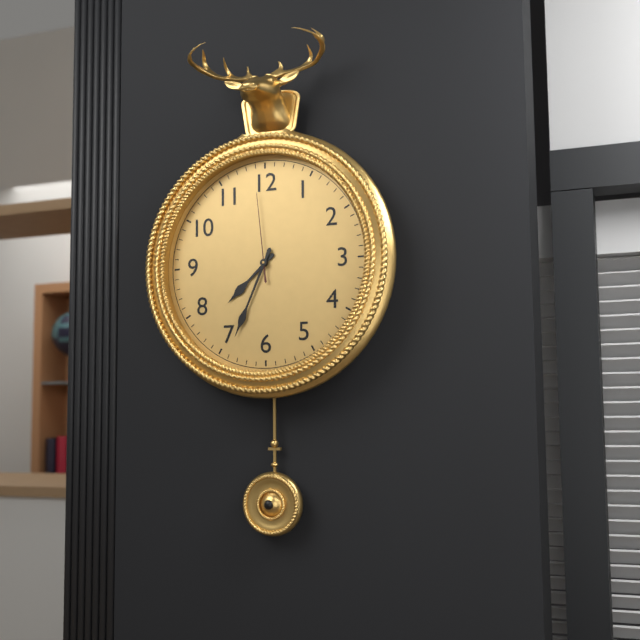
**7:34:59**
